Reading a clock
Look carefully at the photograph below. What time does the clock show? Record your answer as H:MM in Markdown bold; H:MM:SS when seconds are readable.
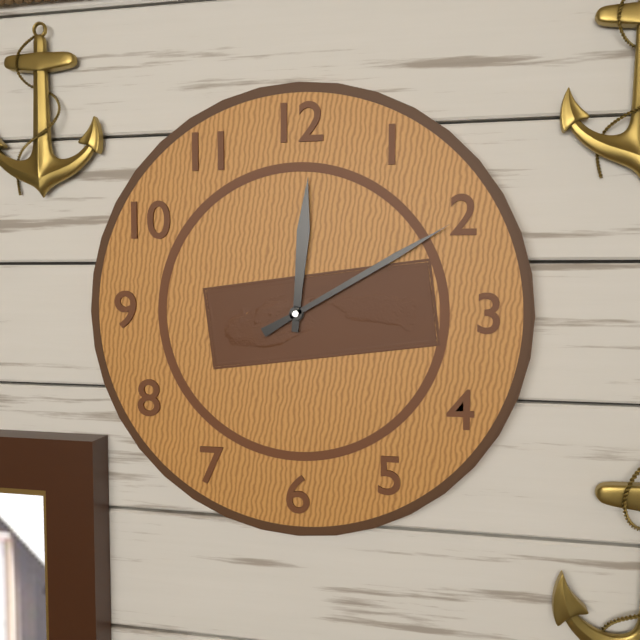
**12:10**
